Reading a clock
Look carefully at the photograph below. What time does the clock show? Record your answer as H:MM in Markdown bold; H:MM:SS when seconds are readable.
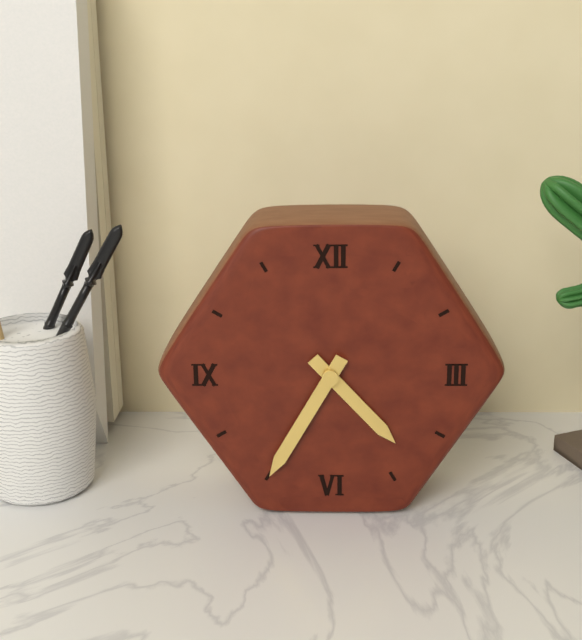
**4:35**
